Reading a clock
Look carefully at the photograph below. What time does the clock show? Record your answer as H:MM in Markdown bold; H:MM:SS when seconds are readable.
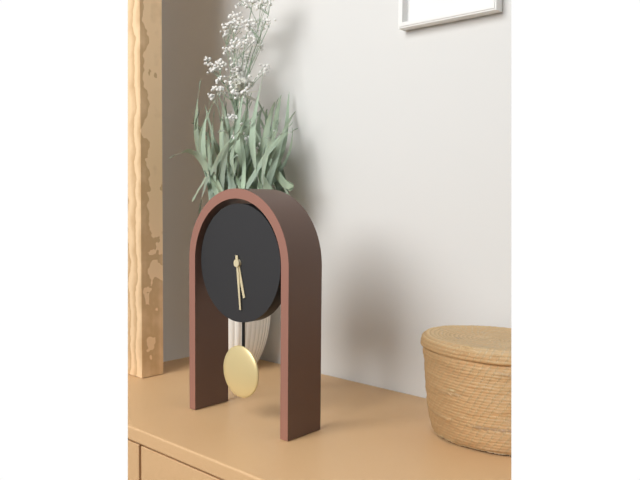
**5:29**
